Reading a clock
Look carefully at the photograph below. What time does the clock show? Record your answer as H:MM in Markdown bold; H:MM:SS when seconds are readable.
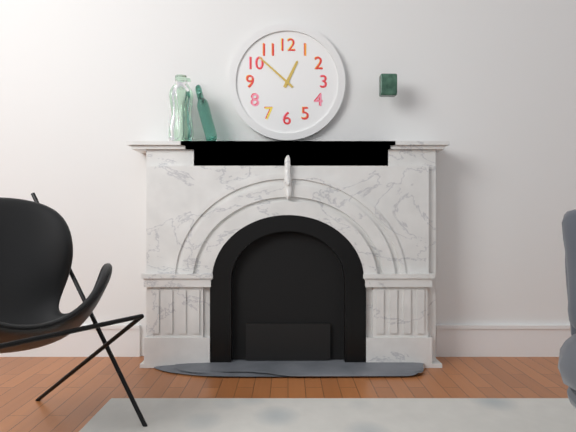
**12:52**
